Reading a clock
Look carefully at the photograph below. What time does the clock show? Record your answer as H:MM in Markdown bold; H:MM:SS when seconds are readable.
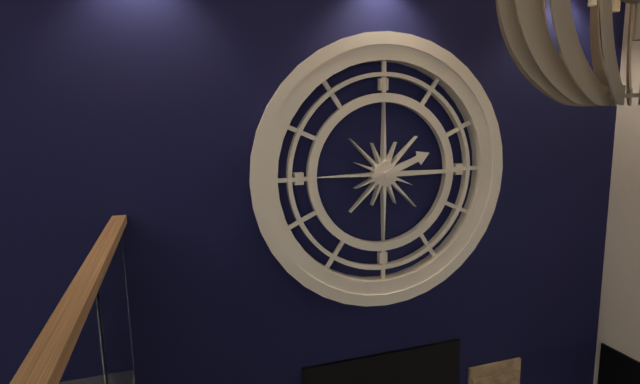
**2:15**
